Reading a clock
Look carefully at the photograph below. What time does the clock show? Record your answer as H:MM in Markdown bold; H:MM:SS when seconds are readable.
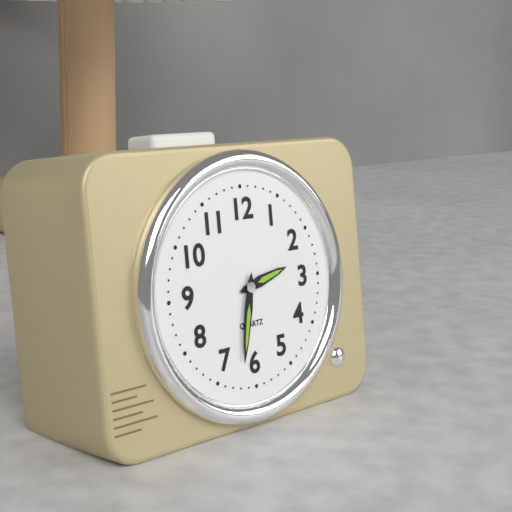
**2:32**
